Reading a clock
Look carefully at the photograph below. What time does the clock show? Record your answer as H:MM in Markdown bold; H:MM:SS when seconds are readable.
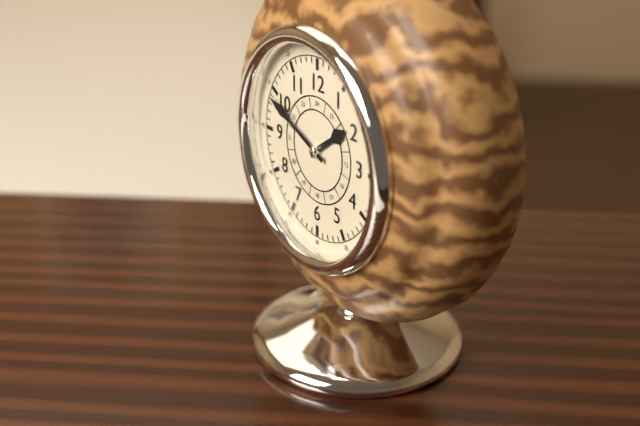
**1:49**
